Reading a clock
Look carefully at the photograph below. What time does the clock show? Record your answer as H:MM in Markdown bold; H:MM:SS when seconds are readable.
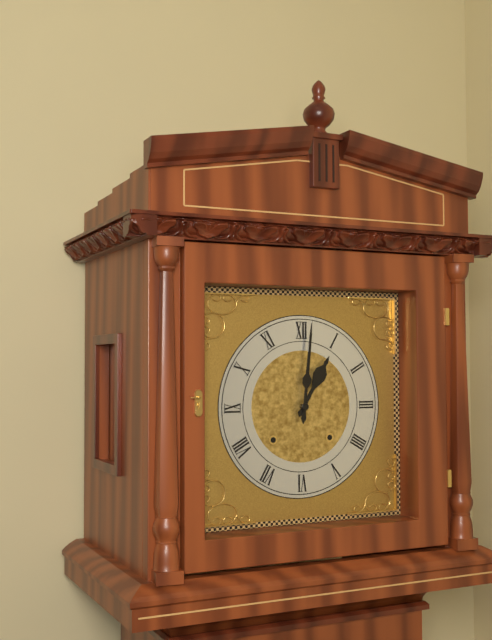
**1:01**
